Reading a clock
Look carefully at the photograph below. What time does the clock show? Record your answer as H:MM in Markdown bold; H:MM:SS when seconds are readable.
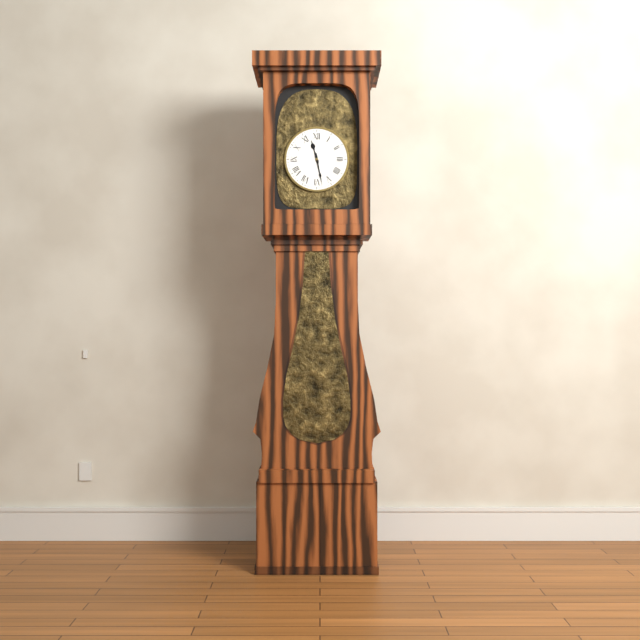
**11:28**
